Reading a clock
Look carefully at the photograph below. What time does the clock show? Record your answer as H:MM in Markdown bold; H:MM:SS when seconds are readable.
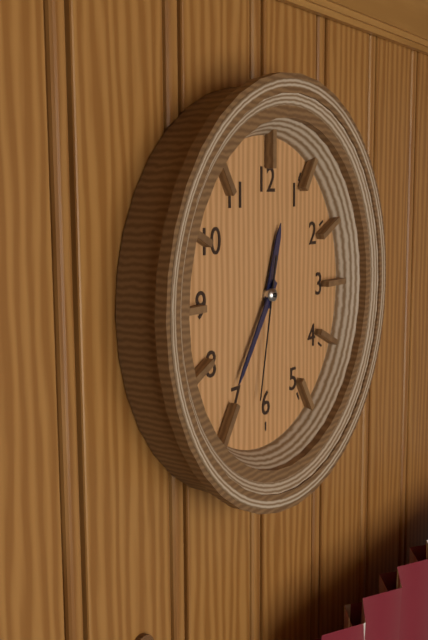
**12:36:32**
